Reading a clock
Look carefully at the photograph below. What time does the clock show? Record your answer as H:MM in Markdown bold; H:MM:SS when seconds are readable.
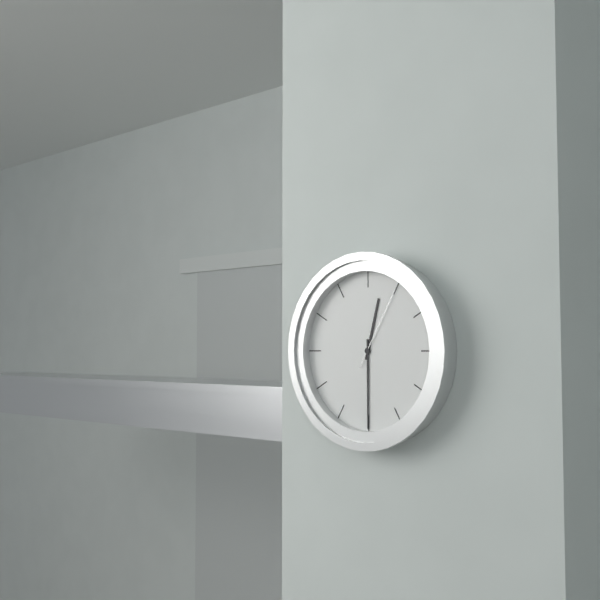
**12:30:05**
